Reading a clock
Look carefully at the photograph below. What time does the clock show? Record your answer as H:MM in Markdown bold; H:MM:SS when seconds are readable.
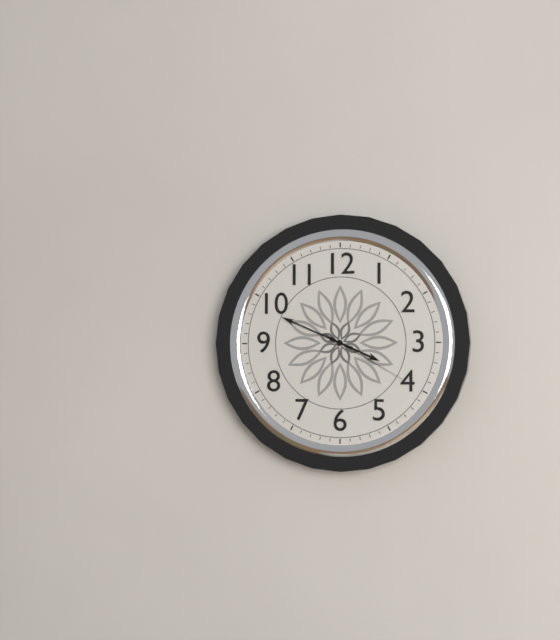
**3:49:20**
